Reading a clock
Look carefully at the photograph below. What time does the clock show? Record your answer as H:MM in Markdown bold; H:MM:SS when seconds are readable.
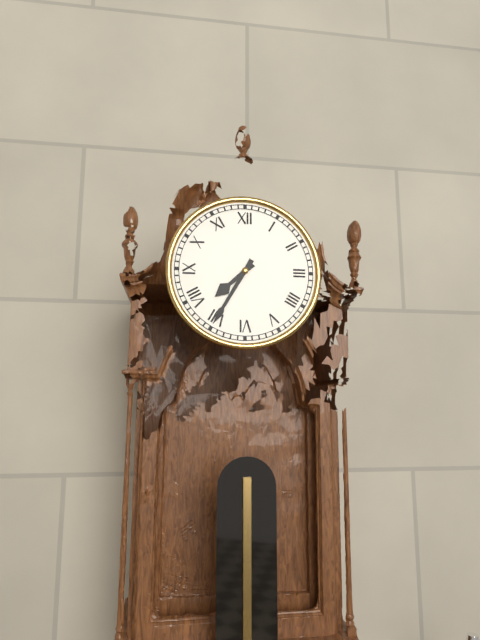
**7:35**
